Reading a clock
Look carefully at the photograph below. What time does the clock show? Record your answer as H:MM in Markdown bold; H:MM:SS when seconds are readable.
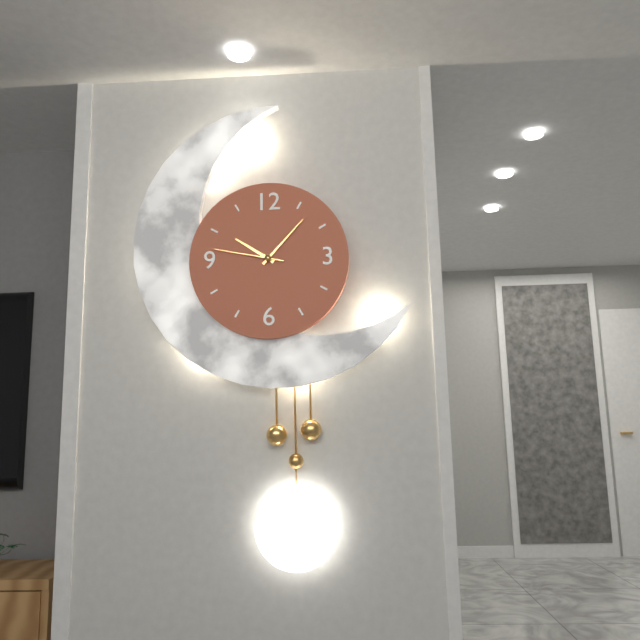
**10:07:47**
